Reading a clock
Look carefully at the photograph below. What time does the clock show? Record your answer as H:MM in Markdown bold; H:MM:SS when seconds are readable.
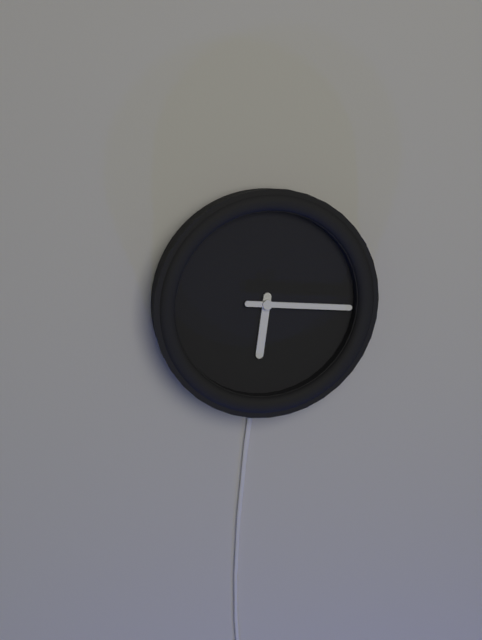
**6:16**
